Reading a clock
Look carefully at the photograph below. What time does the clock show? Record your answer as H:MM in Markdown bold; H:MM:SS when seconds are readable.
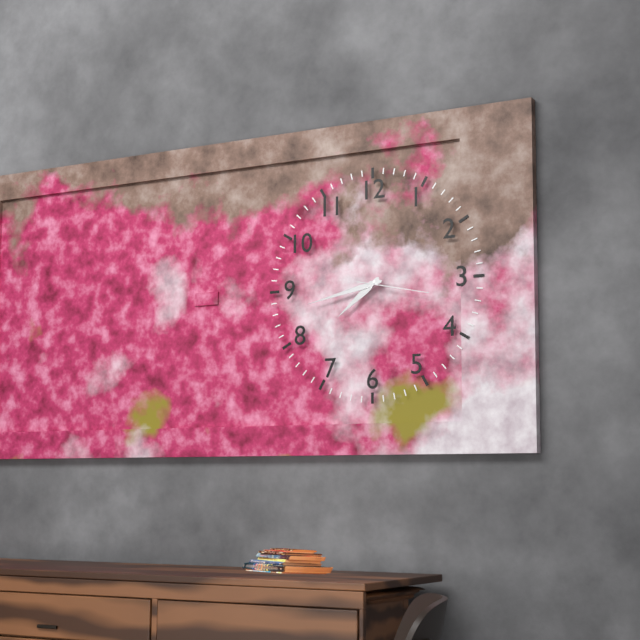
**7:43:17**
